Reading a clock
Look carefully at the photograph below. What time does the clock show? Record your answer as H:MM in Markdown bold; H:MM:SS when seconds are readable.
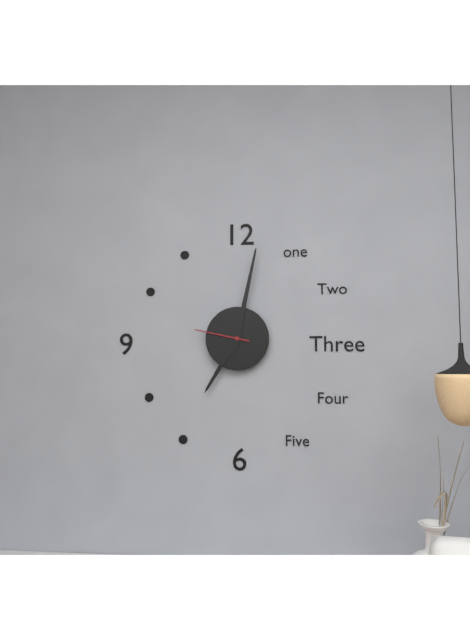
**7:02:47**
